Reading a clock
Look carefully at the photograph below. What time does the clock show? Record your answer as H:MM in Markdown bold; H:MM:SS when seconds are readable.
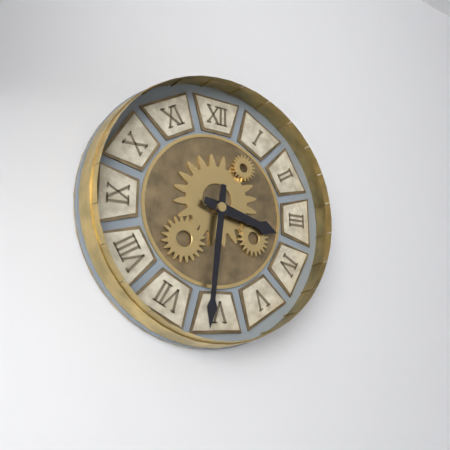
**3:31**
